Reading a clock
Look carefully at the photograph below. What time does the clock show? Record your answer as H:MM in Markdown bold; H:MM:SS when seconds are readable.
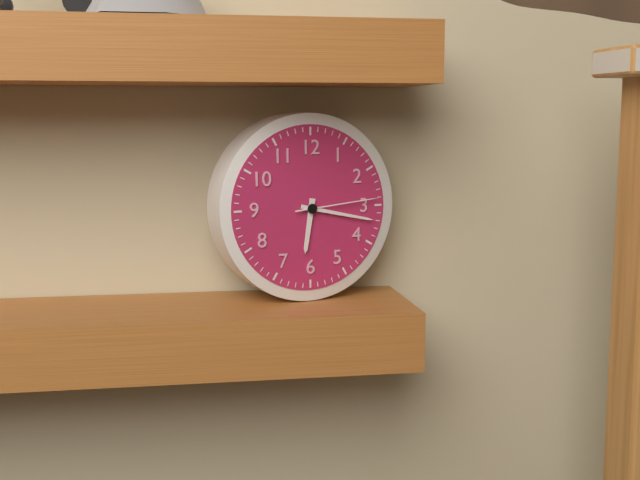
**6:17:14**
